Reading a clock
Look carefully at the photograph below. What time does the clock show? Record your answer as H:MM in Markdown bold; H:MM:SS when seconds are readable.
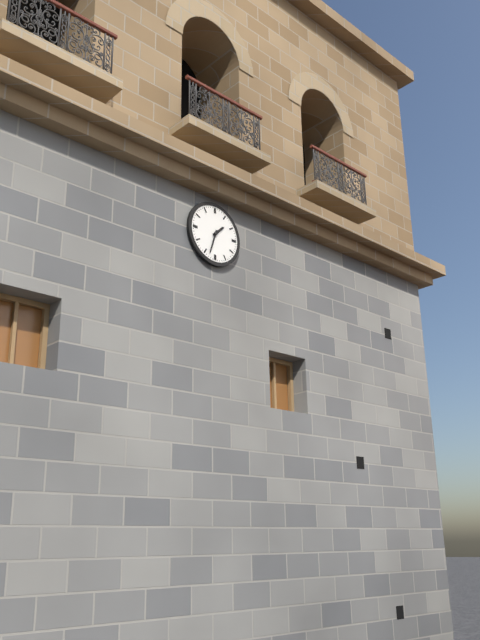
**1:33**
